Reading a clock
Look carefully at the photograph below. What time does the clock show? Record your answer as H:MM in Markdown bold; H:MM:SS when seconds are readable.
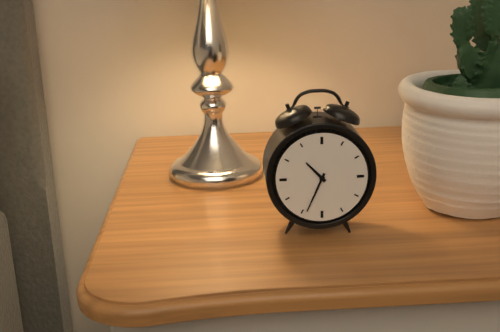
**10:34**
